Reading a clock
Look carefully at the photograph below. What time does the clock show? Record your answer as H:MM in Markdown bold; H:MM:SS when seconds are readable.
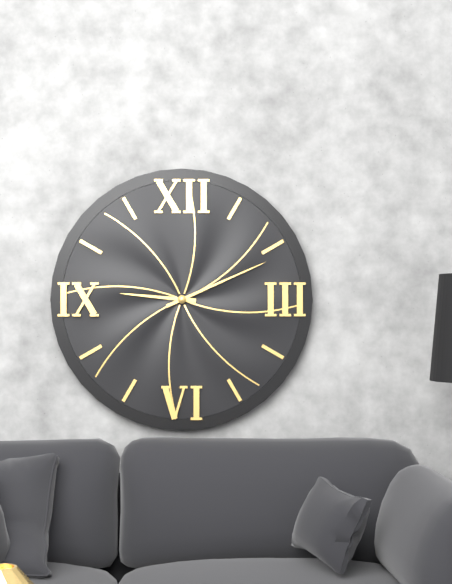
**9:11**
